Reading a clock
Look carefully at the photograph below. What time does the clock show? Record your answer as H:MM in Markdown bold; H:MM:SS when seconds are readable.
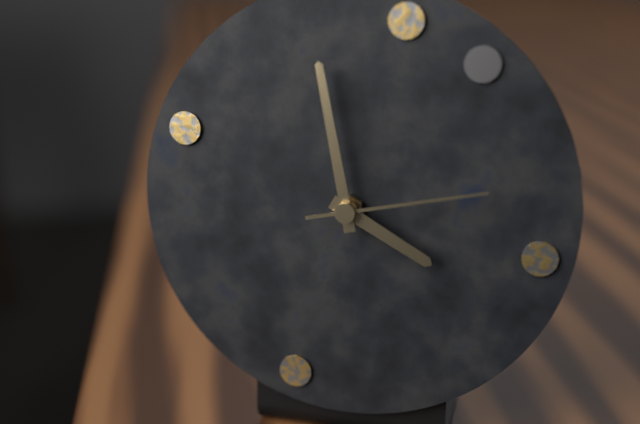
**3:58:13**
